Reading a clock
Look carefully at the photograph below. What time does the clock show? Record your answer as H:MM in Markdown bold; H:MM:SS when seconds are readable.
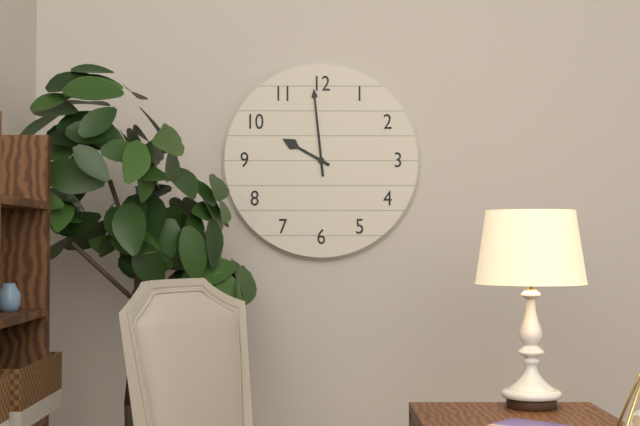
**9:59**
